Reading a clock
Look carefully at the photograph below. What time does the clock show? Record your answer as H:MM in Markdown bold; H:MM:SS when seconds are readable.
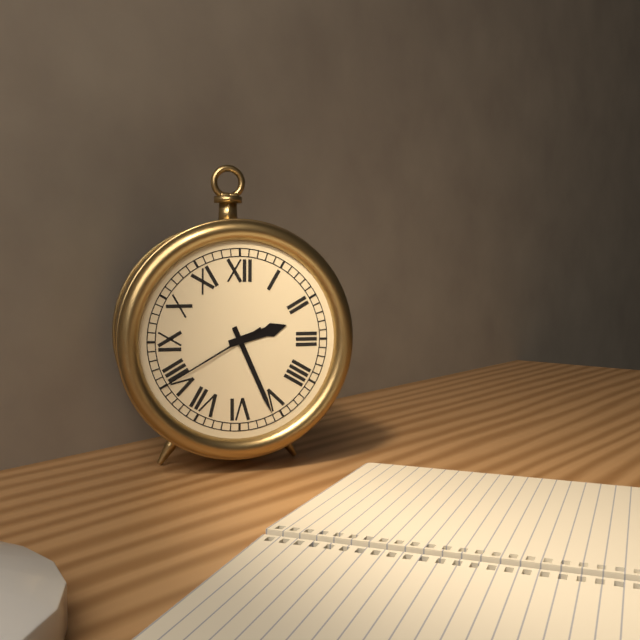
**2:26:40**
